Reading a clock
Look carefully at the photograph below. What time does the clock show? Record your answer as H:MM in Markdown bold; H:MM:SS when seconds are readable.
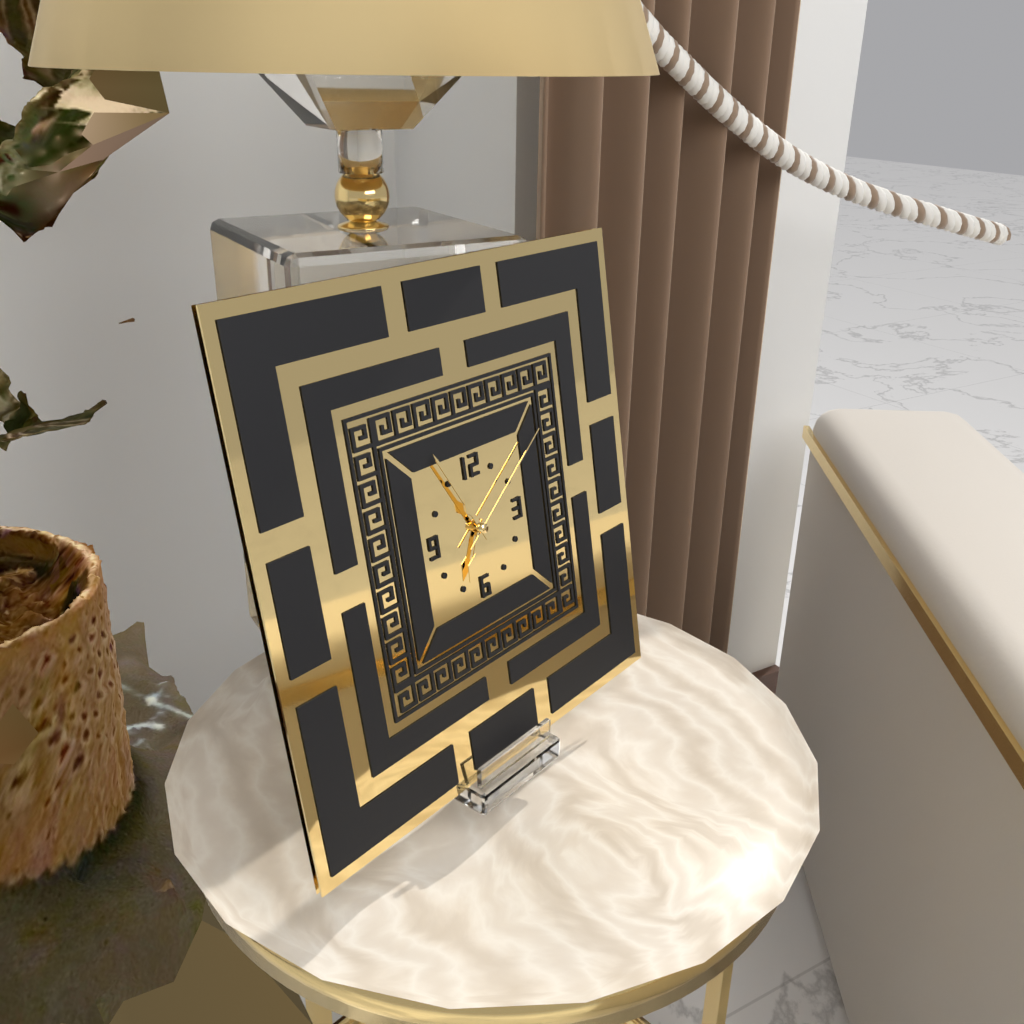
**6:55:09**
